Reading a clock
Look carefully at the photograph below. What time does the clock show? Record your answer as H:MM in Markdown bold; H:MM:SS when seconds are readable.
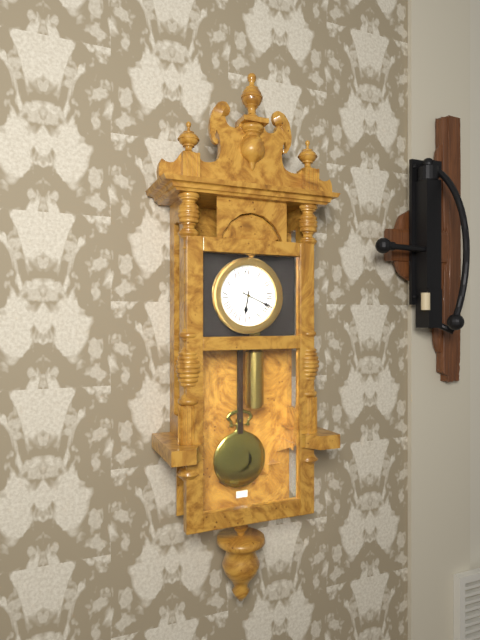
**6:19**
